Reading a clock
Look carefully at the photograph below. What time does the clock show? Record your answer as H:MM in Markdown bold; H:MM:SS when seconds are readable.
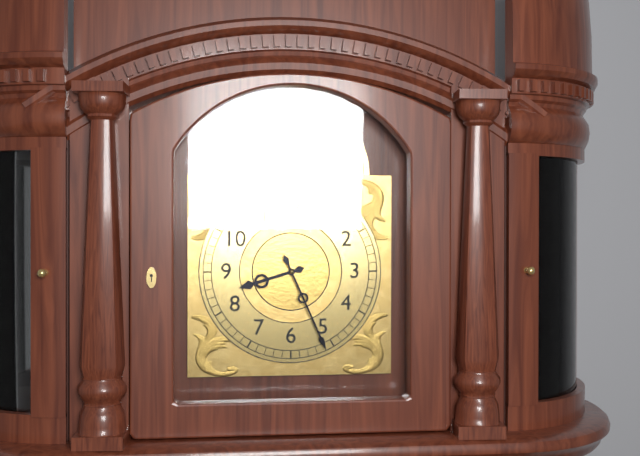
**8:26**
